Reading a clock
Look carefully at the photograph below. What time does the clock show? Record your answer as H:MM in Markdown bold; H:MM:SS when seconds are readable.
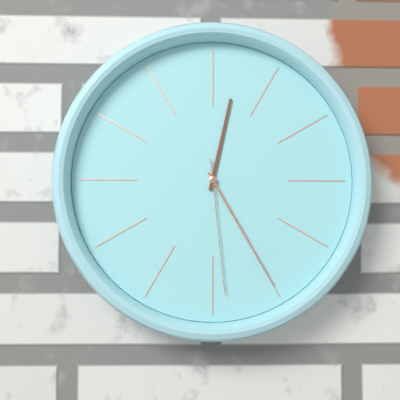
**12:25:29**
